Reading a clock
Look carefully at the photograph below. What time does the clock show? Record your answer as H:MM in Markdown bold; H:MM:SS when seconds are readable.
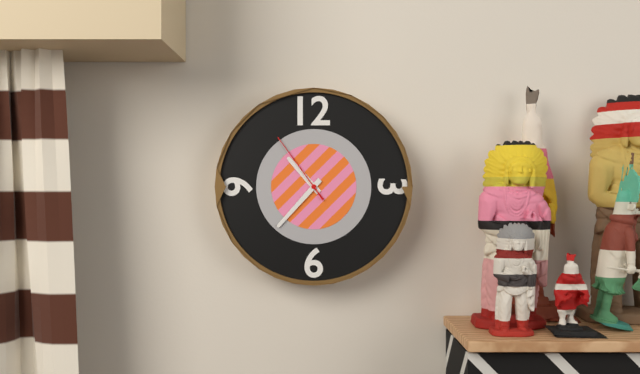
**10:37:54**
